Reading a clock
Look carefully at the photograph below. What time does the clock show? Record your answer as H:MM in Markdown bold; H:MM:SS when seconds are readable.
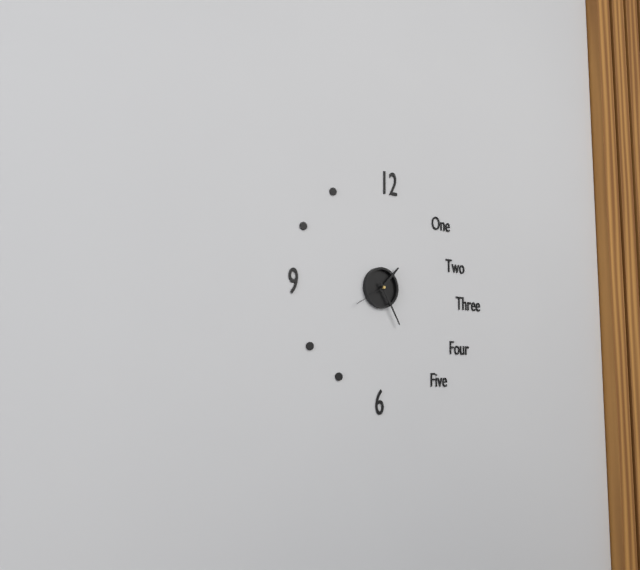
**1:25**
